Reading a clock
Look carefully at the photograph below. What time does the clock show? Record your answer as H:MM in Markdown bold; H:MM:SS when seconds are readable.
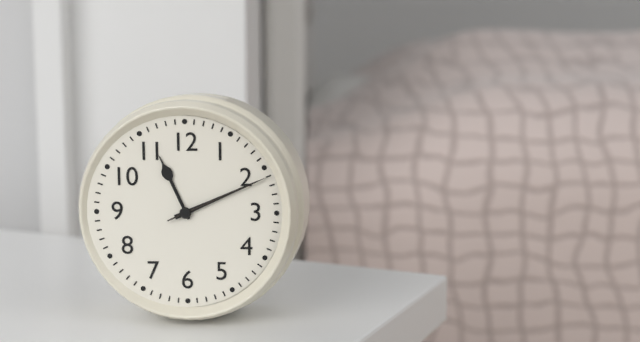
**11:11:11**
